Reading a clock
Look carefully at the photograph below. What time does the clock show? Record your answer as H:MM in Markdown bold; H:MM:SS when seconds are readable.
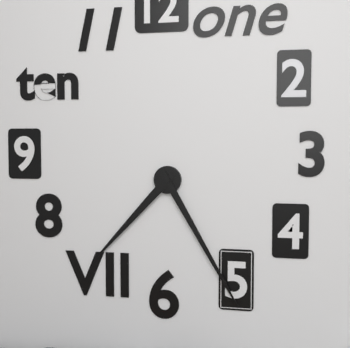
**7:25**
